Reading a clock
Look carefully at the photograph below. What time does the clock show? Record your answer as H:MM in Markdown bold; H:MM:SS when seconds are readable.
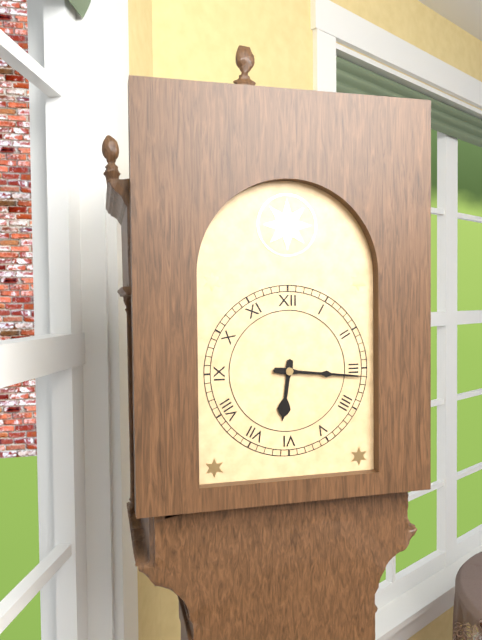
**6:16**
